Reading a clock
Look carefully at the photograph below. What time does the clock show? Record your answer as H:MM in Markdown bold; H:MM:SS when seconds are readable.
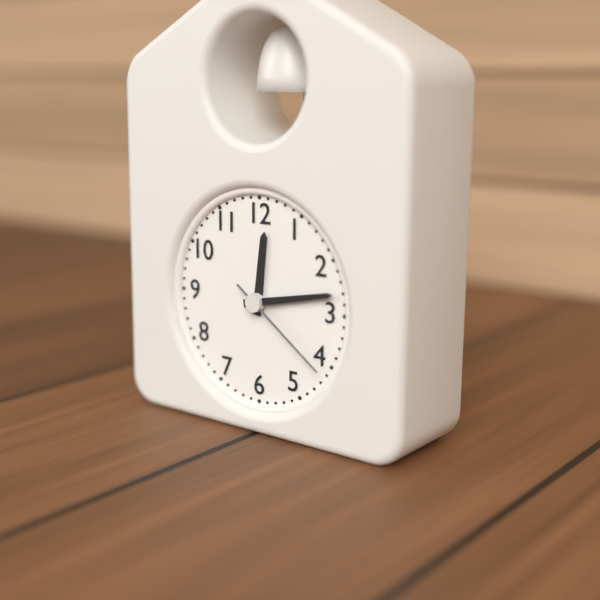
**12:13:21**
